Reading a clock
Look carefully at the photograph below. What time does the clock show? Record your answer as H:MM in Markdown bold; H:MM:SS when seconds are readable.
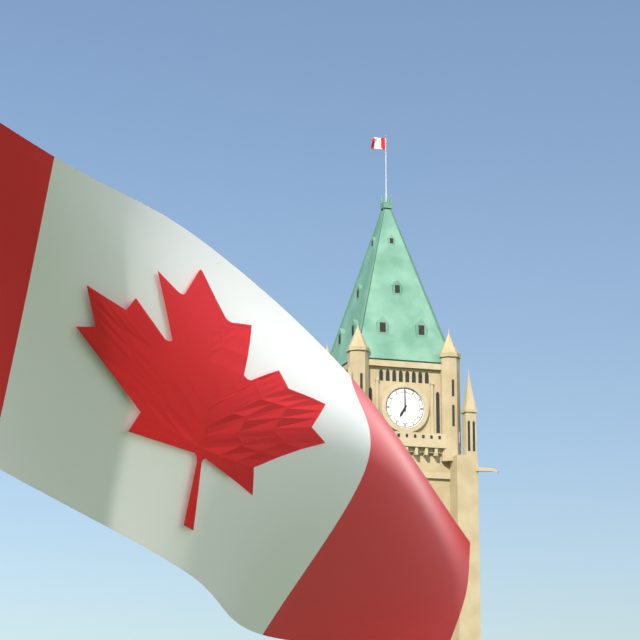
**7:00**
